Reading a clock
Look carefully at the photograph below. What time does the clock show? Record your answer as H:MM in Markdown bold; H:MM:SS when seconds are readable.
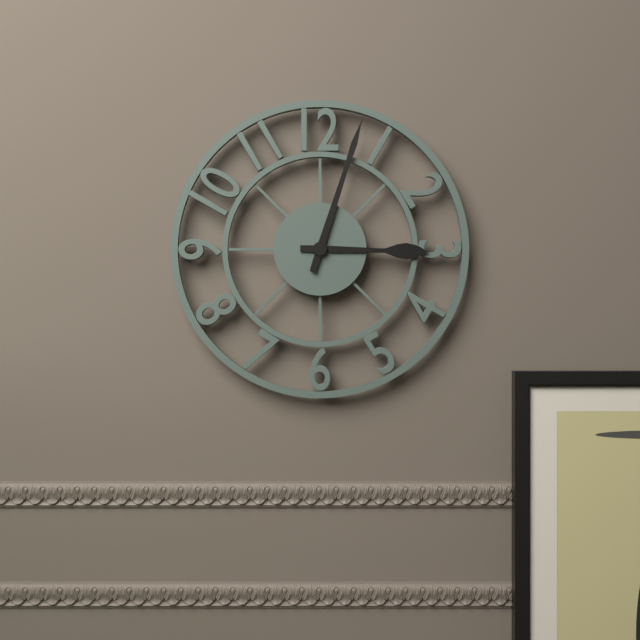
**3:03**
